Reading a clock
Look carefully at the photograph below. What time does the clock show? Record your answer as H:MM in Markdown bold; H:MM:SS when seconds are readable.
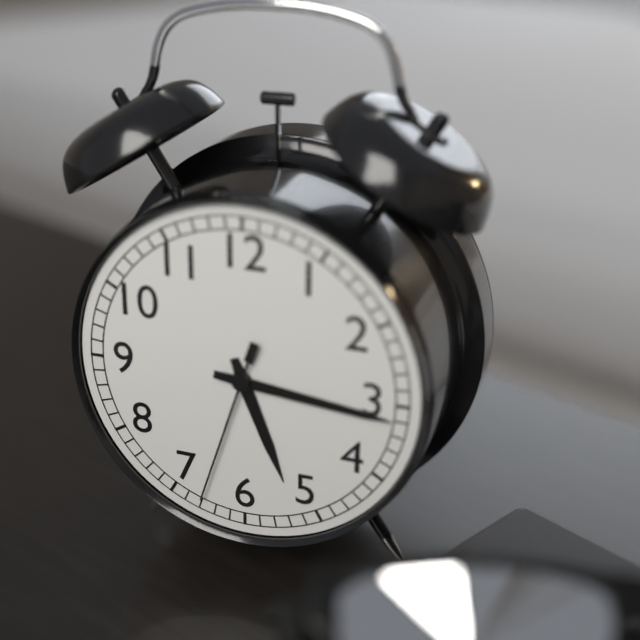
**5:16:33**
